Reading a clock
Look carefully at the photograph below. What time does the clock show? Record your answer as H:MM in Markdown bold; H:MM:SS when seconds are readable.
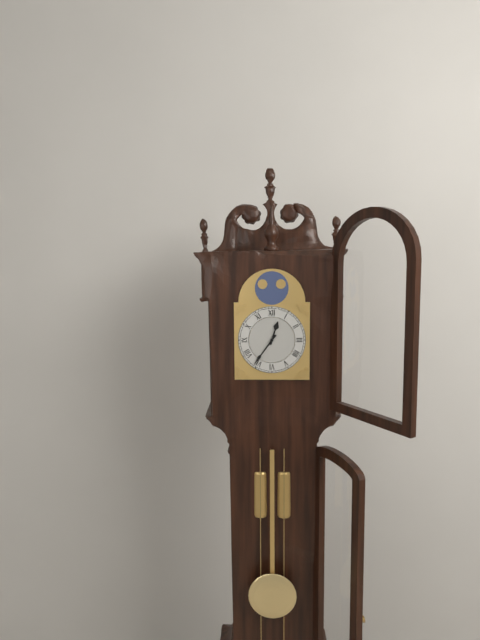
**12:36**
